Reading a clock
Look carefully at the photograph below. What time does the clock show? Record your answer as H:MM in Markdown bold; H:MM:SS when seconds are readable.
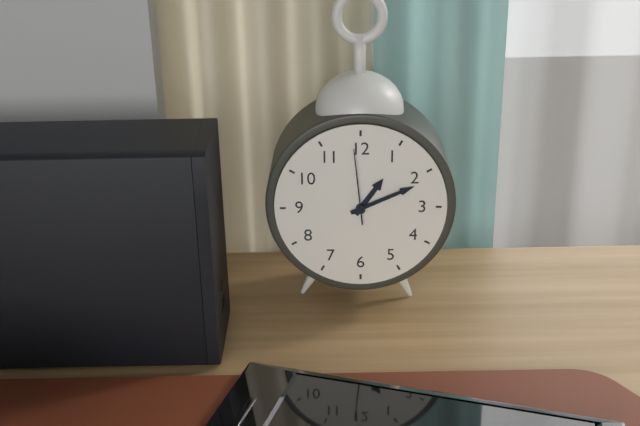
**1:11:59**
